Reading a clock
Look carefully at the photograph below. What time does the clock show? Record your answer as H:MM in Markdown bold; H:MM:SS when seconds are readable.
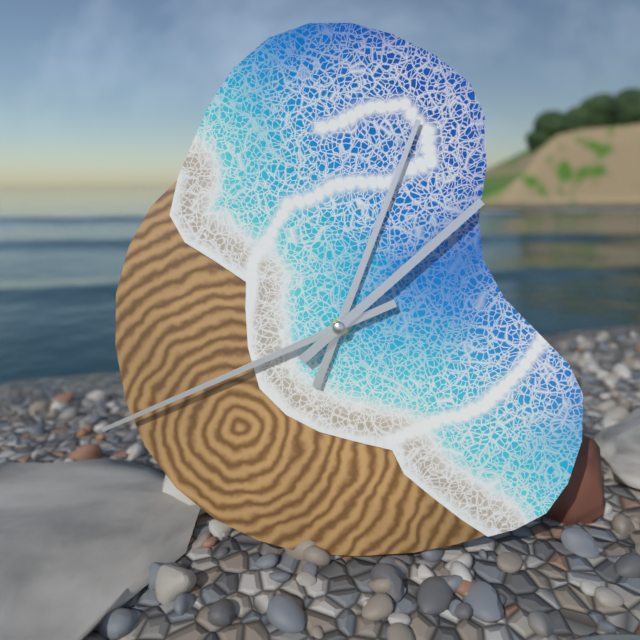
**12:41:08**
